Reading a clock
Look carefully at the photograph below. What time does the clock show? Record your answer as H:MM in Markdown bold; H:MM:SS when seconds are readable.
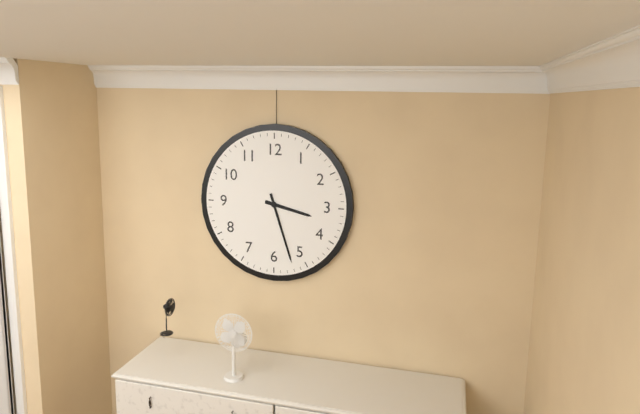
**3:27**
